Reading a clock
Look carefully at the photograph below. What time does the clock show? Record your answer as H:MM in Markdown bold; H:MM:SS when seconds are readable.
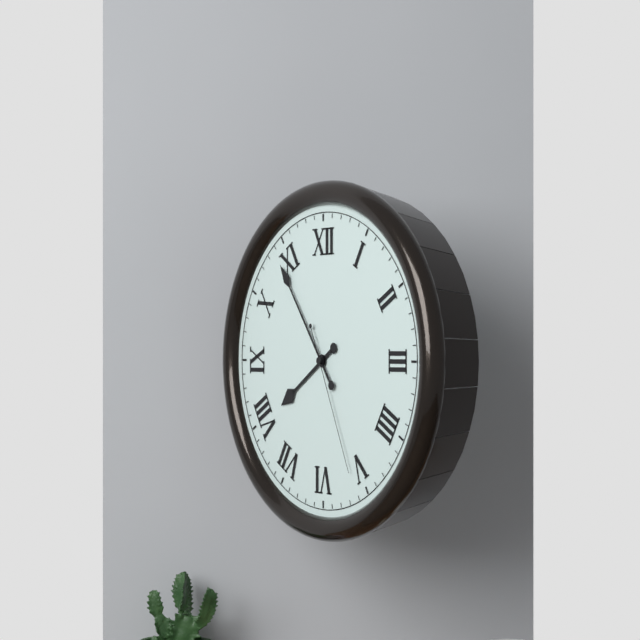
**7:54:26**
